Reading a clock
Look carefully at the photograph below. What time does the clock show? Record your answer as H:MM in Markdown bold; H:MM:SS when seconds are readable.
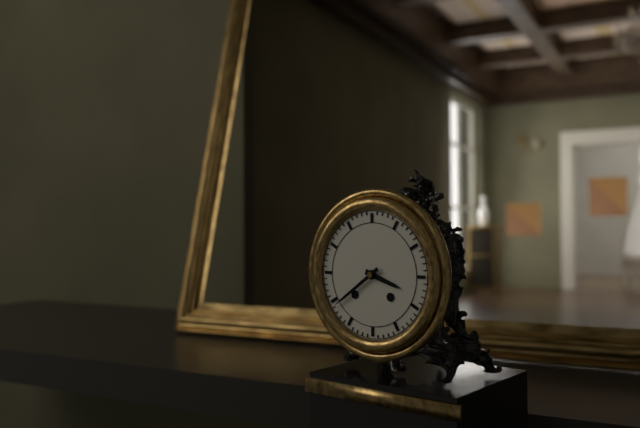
**3:39**
